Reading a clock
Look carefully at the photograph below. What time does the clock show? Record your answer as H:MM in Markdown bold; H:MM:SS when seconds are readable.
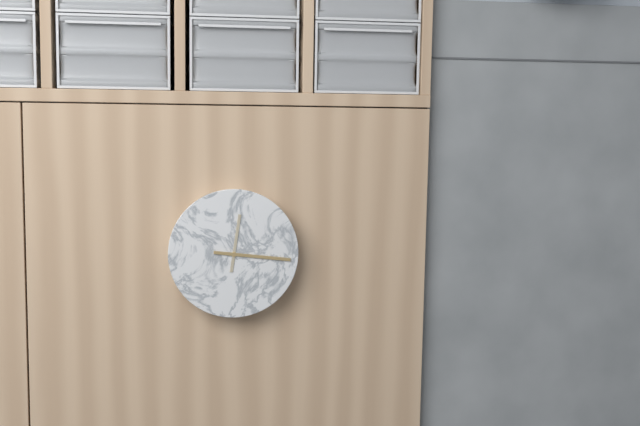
**12:16**
